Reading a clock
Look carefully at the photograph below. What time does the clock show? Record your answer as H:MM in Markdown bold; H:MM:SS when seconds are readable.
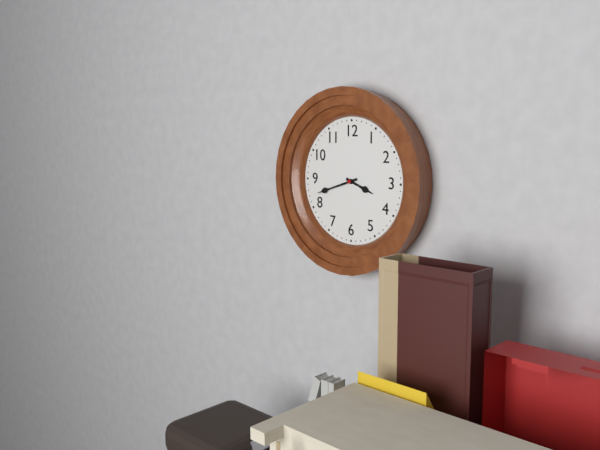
**3:42**
